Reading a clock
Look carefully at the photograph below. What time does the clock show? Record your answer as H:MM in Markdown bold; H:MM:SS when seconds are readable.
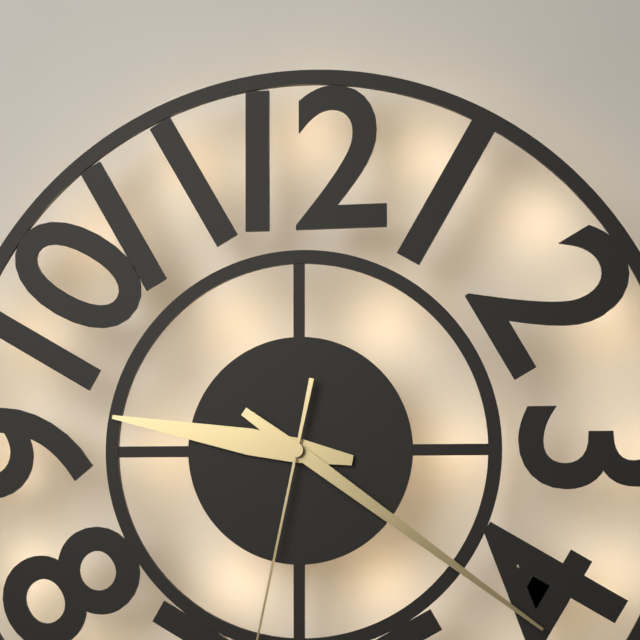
**9:21**
